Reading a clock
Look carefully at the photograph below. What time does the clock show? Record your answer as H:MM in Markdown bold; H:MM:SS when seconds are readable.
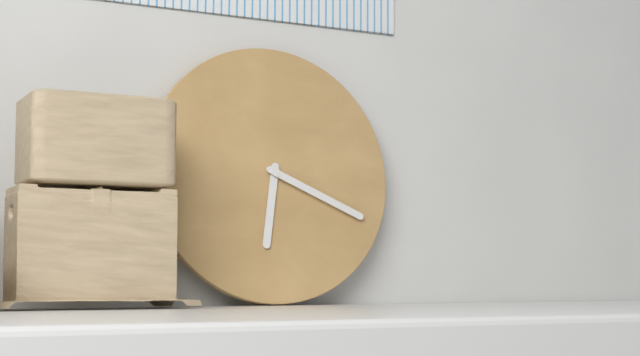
**6:19**
